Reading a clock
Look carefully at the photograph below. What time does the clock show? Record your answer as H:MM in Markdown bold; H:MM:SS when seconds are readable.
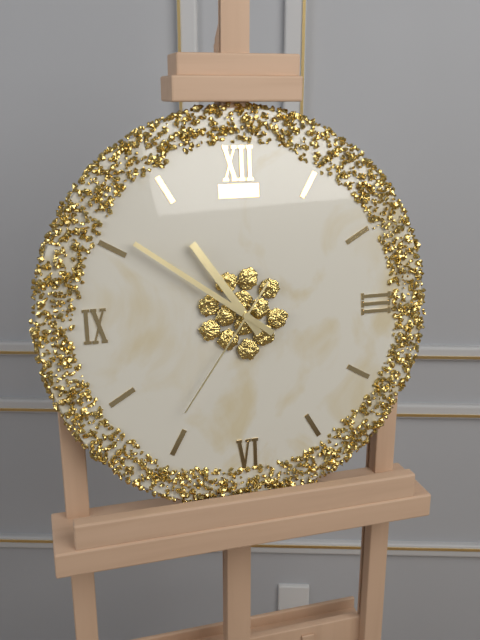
**10:51:36**
